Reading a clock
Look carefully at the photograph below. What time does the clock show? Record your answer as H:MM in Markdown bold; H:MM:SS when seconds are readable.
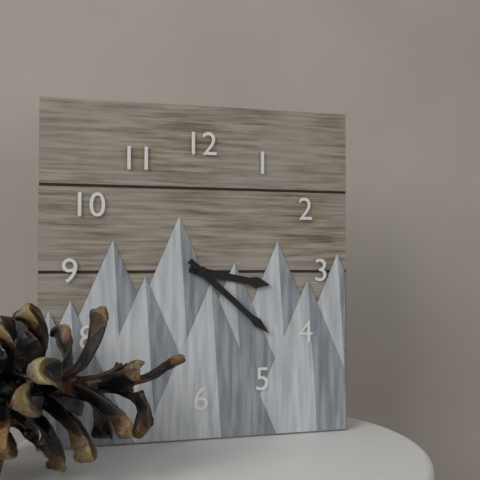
**3:22**
